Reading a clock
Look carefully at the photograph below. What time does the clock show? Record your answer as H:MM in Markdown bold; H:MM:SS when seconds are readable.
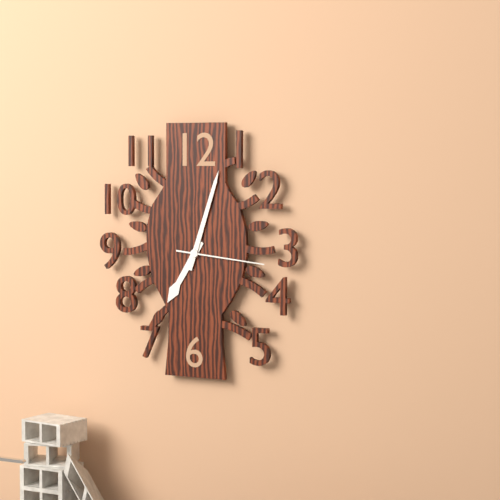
**7:03:16**
